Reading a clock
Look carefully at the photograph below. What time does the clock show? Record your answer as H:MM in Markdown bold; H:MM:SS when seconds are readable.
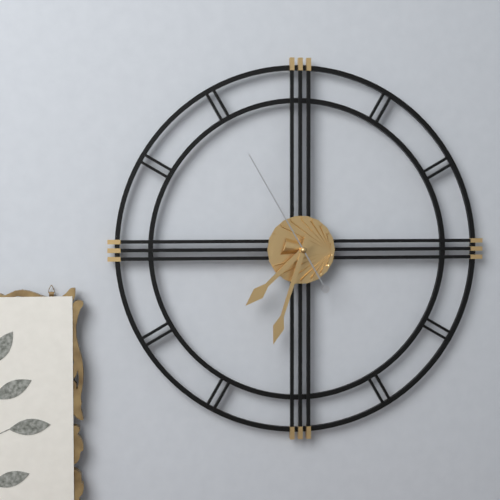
**7:33:55**
